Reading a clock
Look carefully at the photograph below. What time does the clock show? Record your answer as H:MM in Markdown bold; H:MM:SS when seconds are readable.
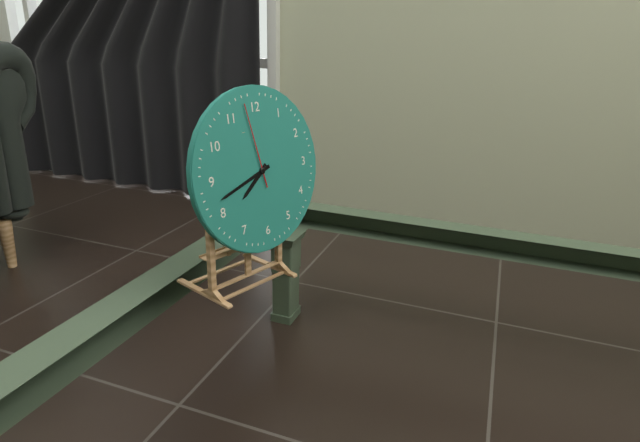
**7:42:58**
